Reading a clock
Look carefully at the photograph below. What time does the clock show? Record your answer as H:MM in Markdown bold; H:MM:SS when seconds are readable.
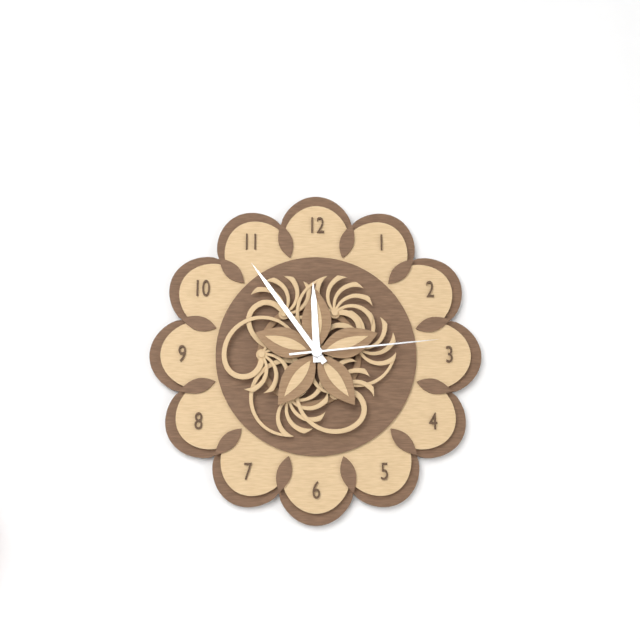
**11:54:14**
